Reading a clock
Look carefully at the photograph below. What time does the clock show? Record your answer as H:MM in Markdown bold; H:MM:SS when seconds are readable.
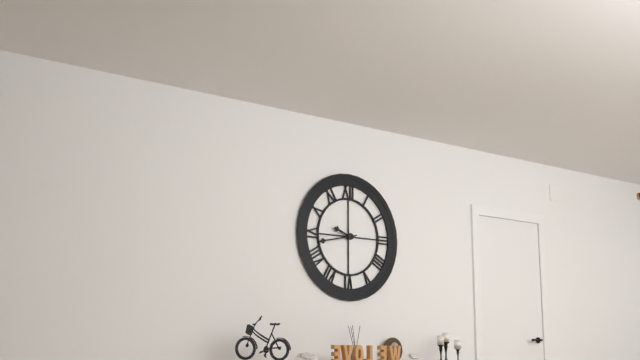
**9:43**
